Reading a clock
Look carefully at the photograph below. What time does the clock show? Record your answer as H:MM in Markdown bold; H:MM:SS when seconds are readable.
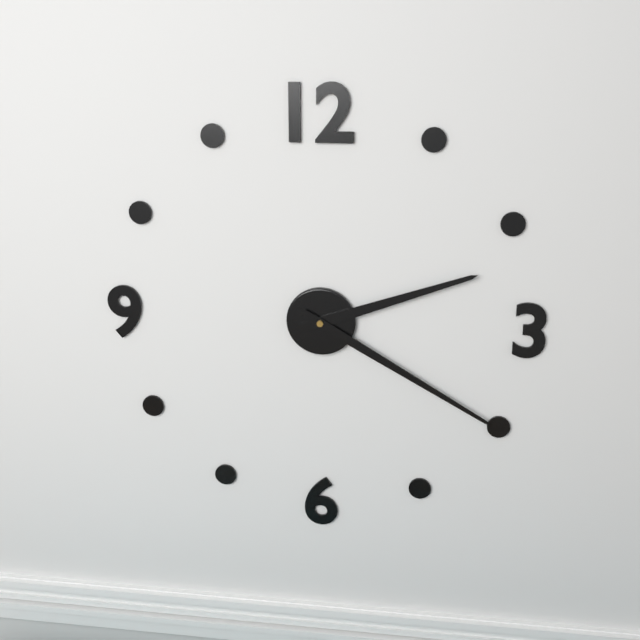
**2:20**
